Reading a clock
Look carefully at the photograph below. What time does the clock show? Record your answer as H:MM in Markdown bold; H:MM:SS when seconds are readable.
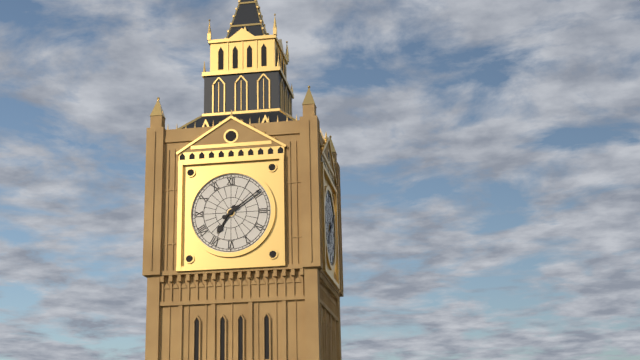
**7:09**
